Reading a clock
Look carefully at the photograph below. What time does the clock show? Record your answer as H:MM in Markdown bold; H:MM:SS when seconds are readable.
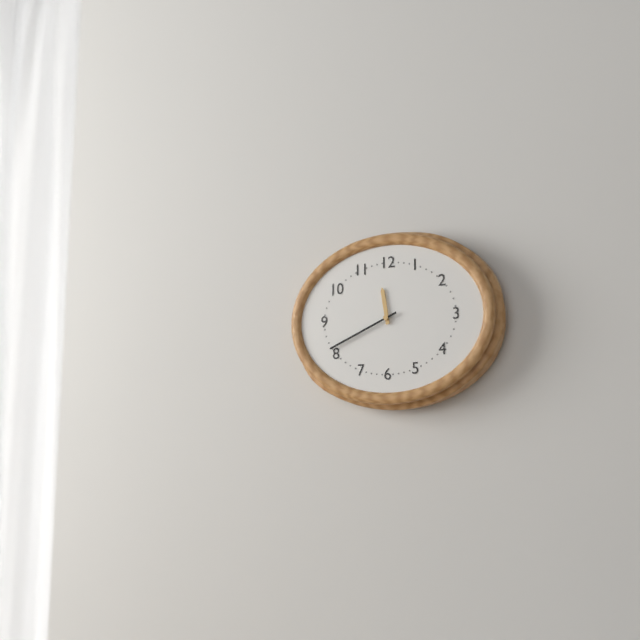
**11:41**
